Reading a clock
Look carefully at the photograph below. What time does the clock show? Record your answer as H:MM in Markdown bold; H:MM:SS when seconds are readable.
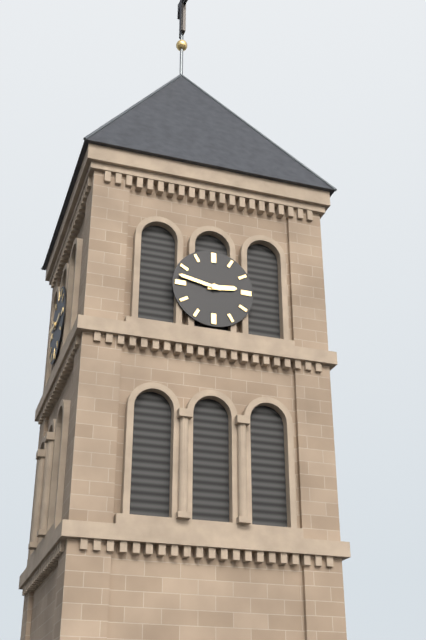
**2:47**
